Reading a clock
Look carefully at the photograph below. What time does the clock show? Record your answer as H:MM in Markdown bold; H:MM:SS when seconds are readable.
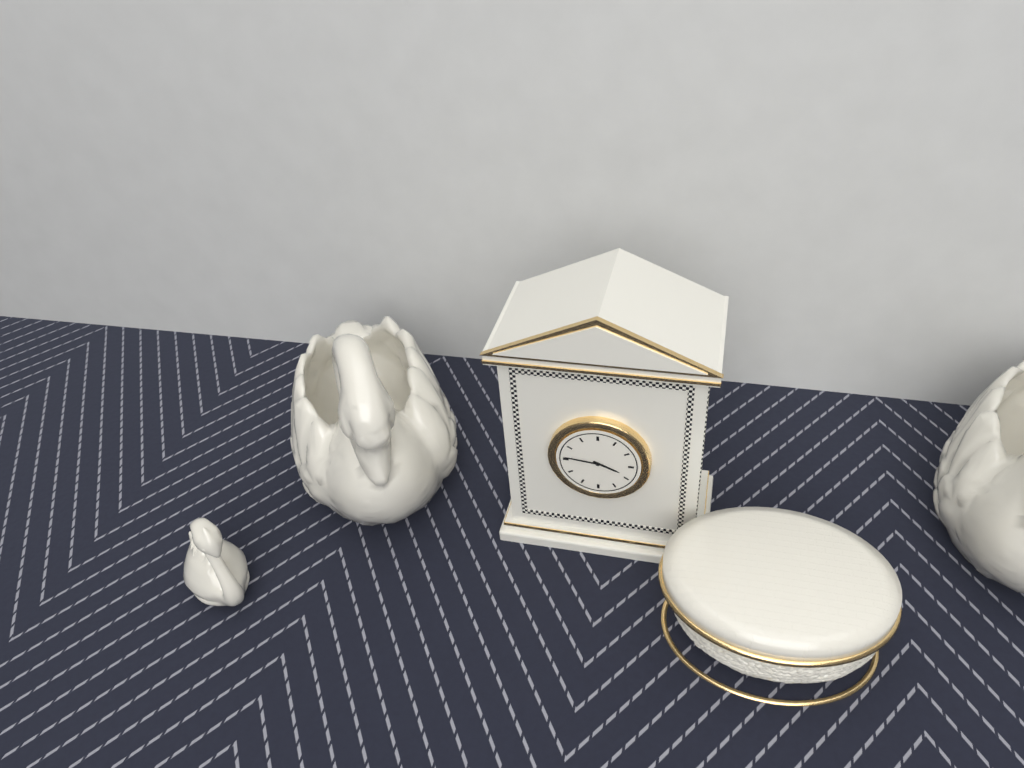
**3:46**
